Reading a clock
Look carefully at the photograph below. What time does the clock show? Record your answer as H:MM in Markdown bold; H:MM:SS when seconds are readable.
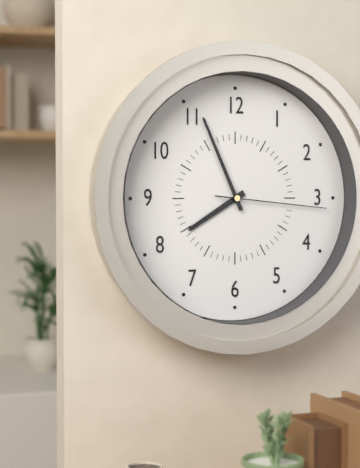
**7:56:16**
